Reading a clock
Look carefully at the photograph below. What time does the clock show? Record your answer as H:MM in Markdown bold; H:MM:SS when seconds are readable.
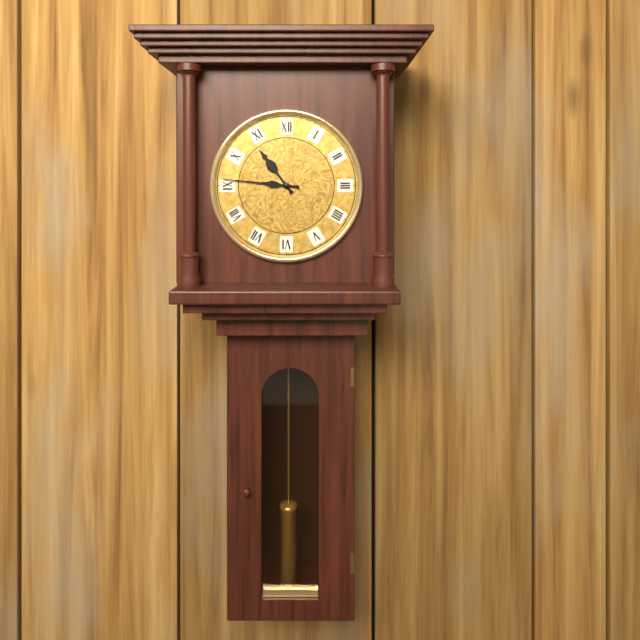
**10:46**
